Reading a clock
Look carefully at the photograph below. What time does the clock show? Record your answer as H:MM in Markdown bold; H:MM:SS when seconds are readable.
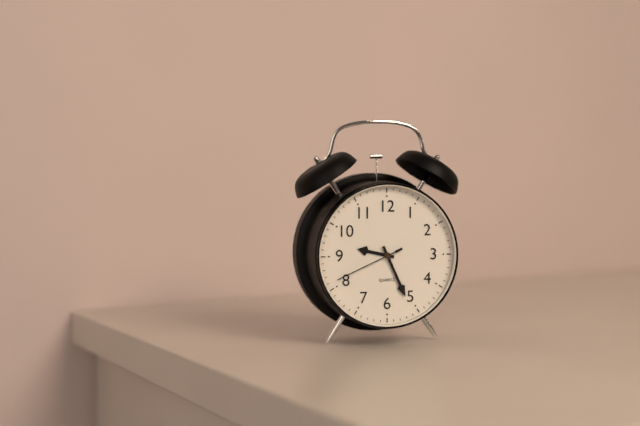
**9:26:41**
